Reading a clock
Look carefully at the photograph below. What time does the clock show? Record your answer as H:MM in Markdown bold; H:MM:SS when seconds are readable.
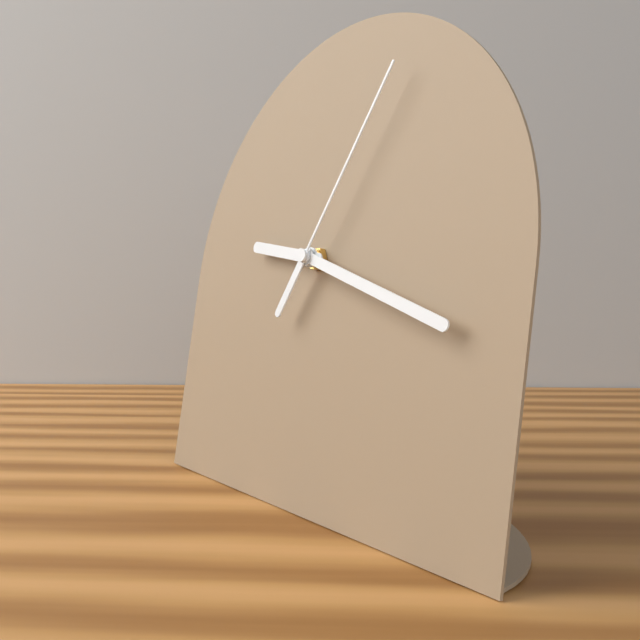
**9:18:05**
